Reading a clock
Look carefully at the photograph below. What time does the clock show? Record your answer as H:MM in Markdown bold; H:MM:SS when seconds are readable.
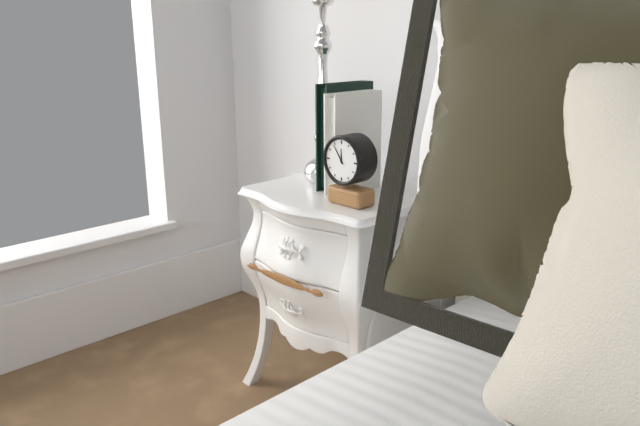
**11:54**
